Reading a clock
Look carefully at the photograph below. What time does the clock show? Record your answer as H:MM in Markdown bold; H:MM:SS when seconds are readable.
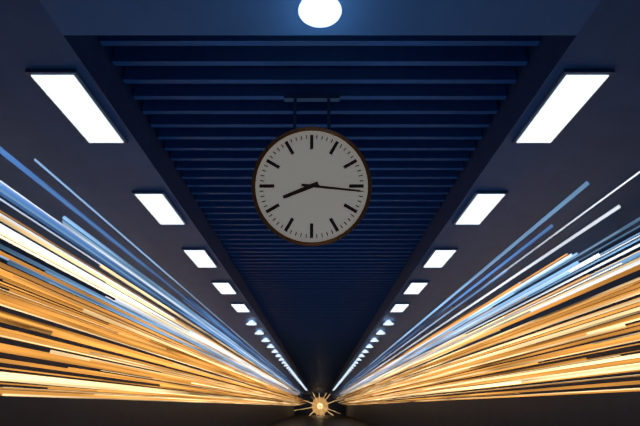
**8:16**
